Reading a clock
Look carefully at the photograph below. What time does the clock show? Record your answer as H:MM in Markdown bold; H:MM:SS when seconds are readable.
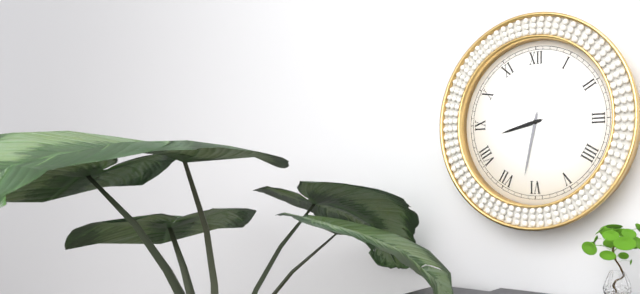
**8:32**
